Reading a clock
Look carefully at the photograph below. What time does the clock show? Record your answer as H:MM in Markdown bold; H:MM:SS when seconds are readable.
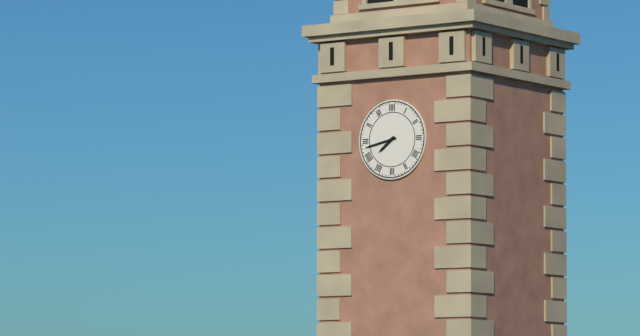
**7:43**
